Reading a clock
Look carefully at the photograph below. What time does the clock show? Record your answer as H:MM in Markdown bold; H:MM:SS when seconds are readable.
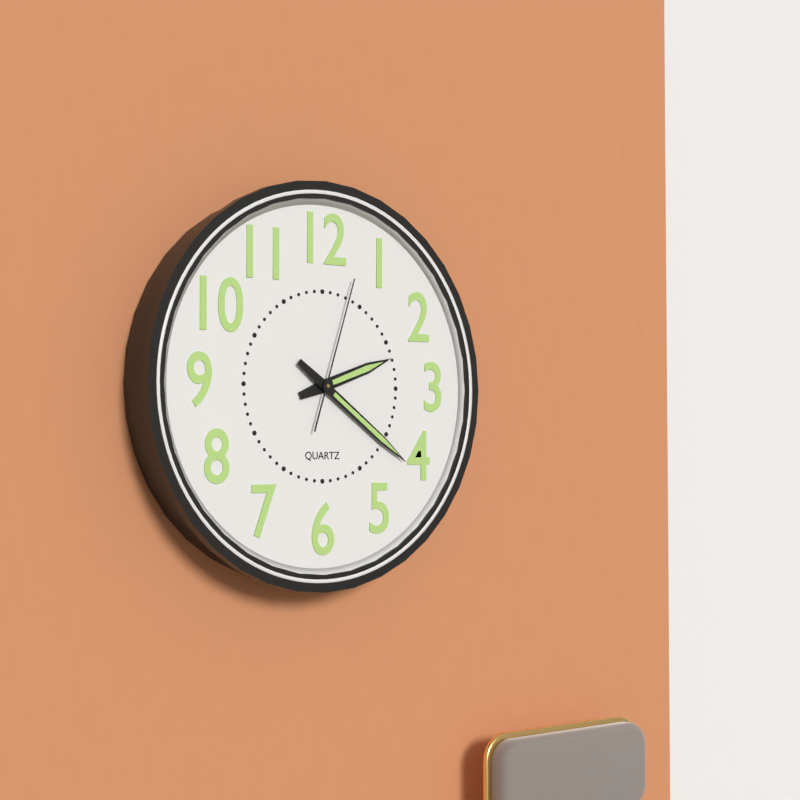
**2:21:03**
